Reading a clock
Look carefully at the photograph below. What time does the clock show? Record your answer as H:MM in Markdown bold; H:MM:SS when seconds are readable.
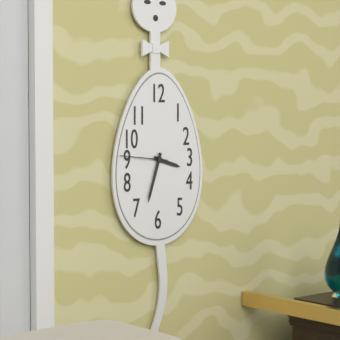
**3:33**
